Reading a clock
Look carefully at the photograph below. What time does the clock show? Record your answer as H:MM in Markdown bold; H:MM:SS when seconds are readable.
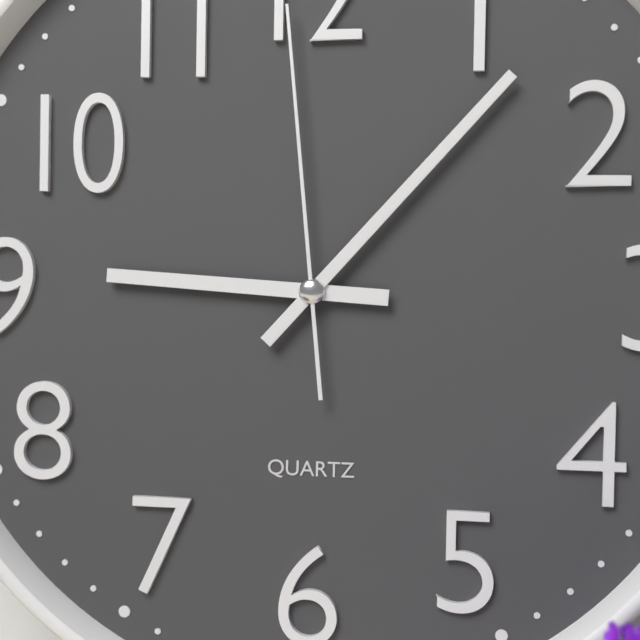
**9:07:59**
